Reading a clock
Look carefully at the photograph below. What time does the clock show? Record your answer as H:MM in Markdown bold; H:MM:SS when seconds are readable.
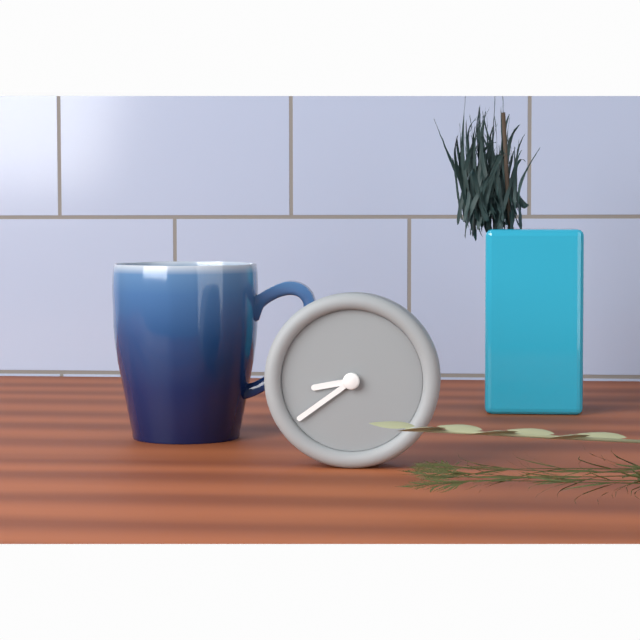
**8:39**
